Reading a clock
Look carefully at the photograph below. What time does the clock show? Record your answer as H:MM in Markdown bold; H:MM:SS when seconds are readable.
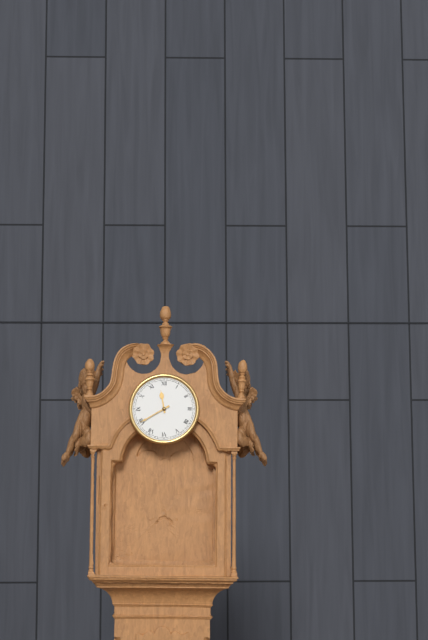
**11:40**
